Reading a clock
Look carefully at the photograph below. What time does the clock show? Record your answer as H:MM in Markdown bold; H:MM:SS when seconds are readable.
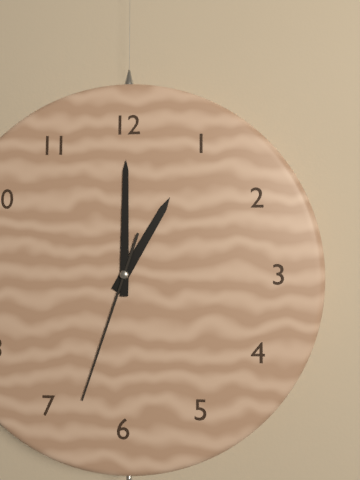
**1:00:33**
